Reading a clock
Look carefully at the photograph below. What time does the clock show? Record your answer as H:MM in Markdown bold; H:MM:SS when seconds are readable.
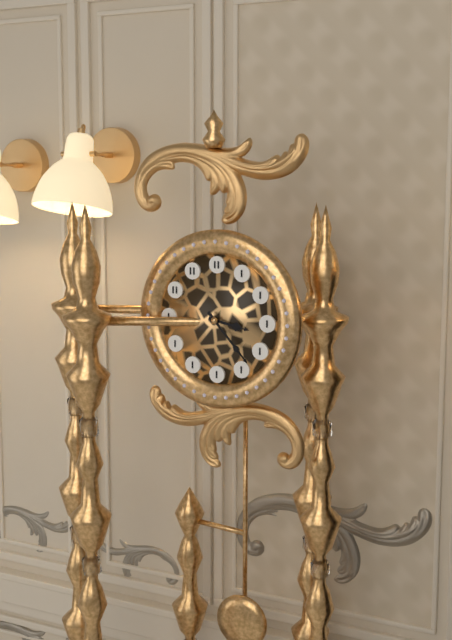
**3:23**
